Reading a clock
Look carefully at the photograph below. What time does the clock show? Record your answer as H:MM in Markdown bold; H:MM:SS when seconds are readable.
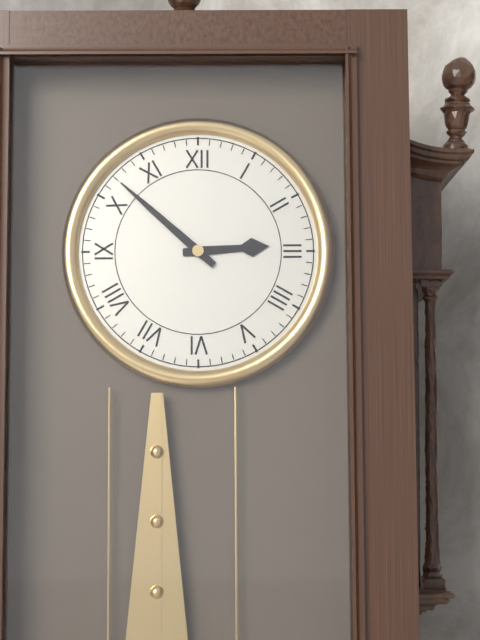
**2:52**
